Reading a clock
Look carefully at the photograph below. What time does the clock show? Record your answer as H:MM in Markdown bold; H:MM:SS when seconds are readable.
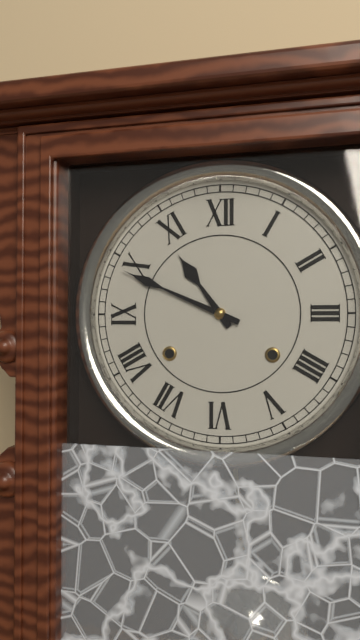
**10:49**
